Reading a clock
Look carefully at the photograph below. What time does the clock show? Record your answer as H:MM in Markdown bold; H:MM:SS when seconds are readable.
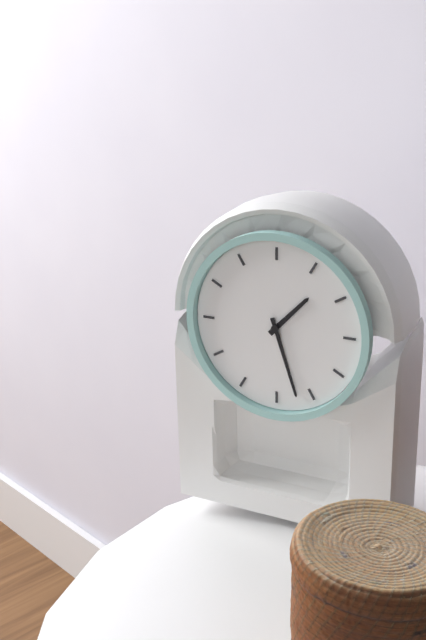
**1:27**
